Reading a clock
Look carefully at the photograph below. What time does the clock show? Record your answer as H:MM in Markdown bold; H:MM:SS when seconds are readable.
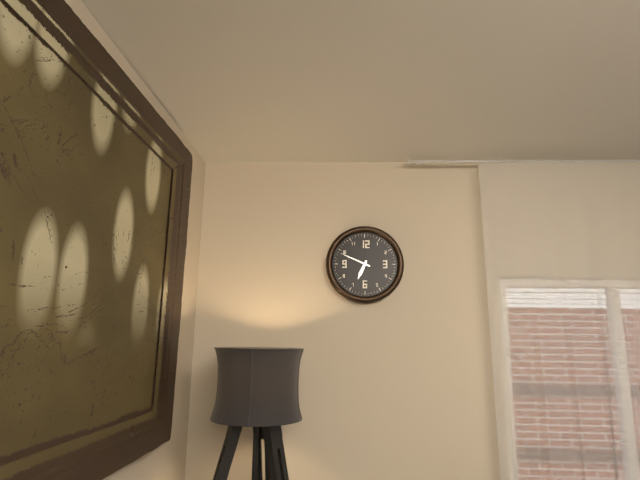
**6:49**
